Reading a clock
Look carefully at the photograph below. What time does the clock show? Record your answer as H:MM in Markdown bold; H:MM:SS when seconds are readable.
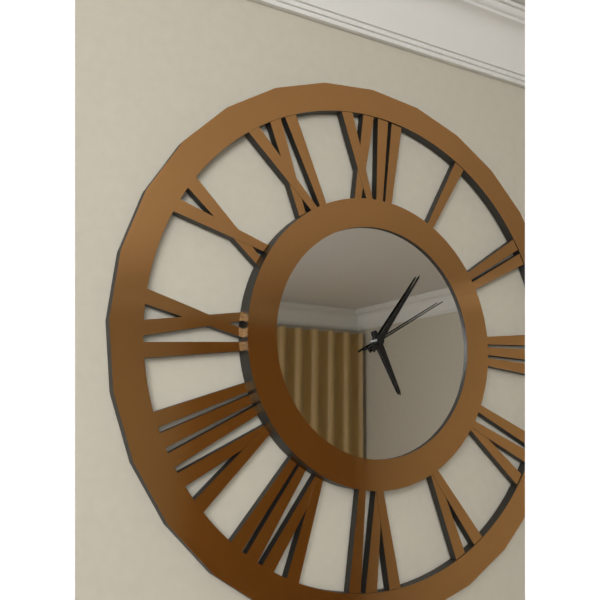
**5:06:10**
